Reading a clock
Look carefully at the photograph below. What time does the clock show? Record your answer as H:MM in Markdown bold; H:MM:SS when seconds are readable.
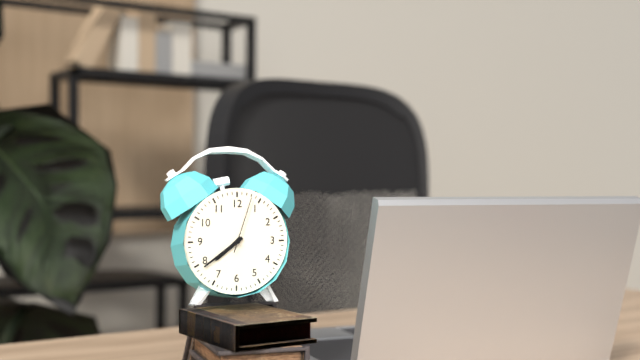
**7:39:03**
